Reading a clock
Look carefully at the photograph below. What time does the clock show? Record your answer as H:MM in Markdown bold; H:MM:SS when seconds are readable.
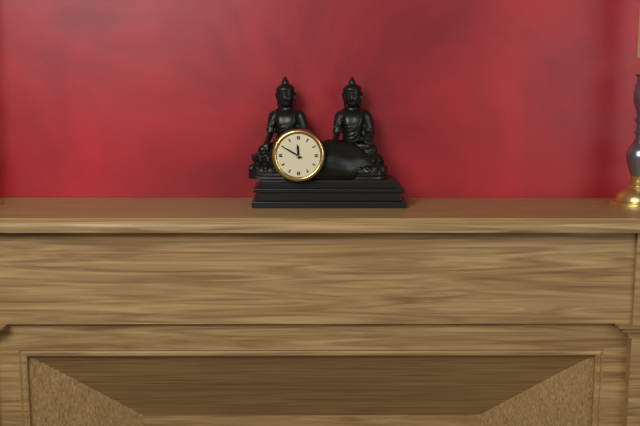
**11:50**
